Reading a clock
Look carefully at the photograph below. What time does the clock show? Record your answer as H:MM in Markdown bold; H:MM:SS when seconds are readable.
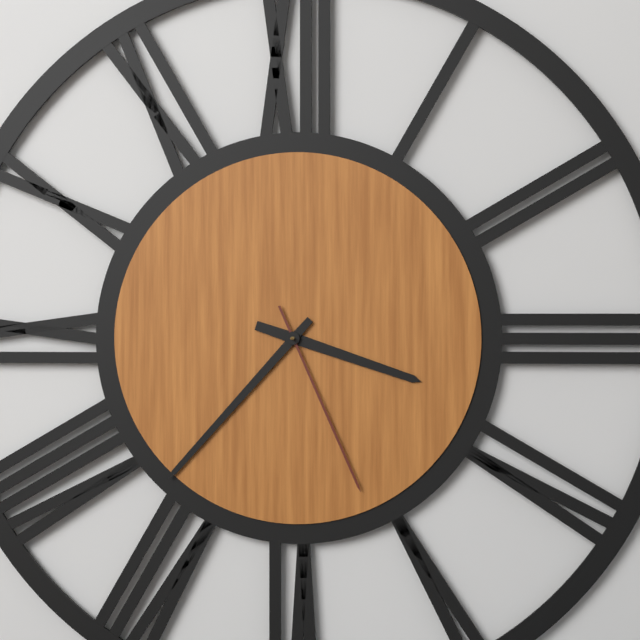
**3:37:26**
